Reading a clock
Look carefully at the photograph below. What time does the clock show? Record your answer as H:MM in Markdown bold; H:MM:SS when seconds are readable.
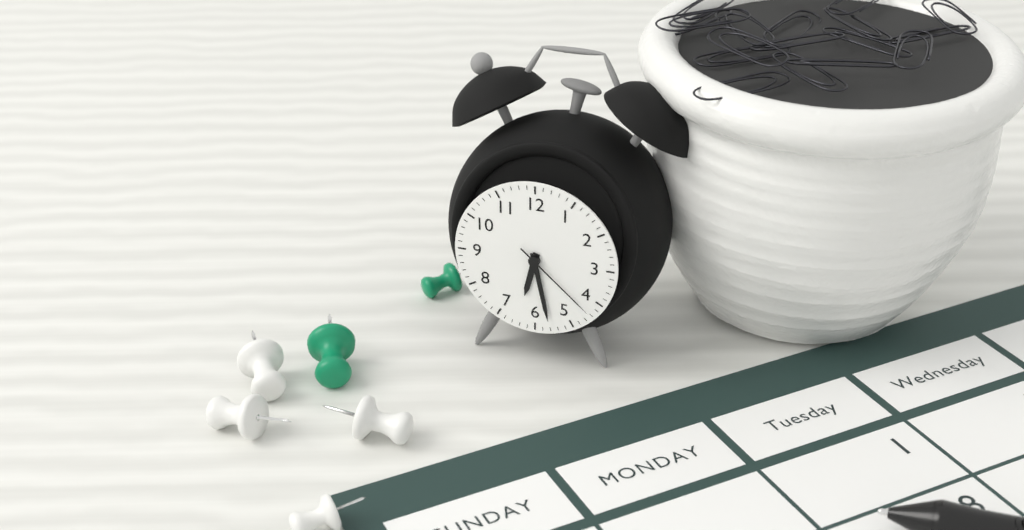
**6:28:22**
